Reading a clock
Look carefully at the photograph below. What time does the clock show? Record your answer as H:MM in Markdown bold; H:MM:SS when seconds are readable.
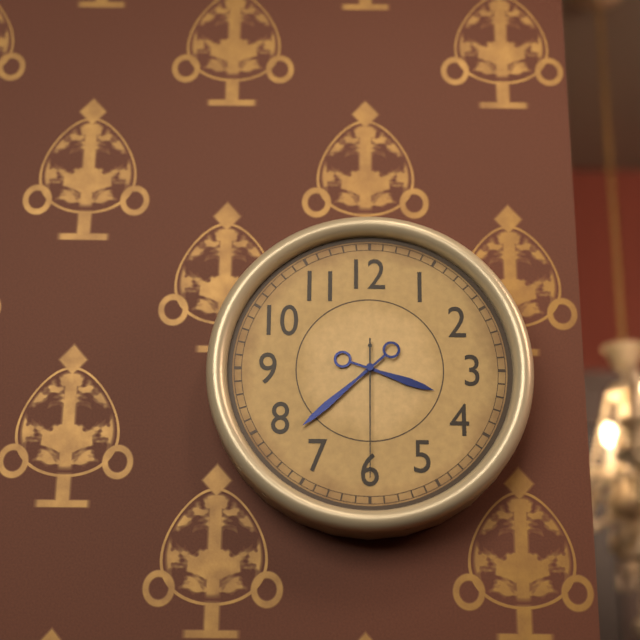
**3:38:30**
